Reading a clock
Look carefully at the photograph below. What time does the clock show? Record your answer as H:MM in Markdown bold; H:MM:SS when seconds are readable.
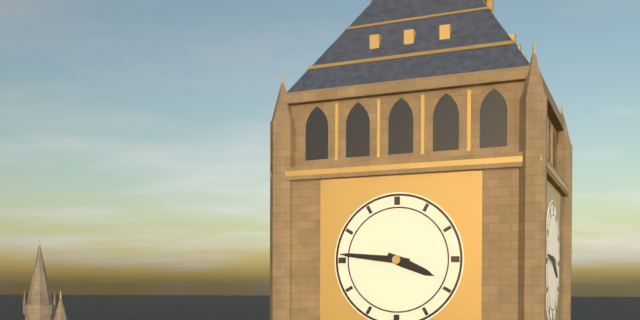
**3:46**
